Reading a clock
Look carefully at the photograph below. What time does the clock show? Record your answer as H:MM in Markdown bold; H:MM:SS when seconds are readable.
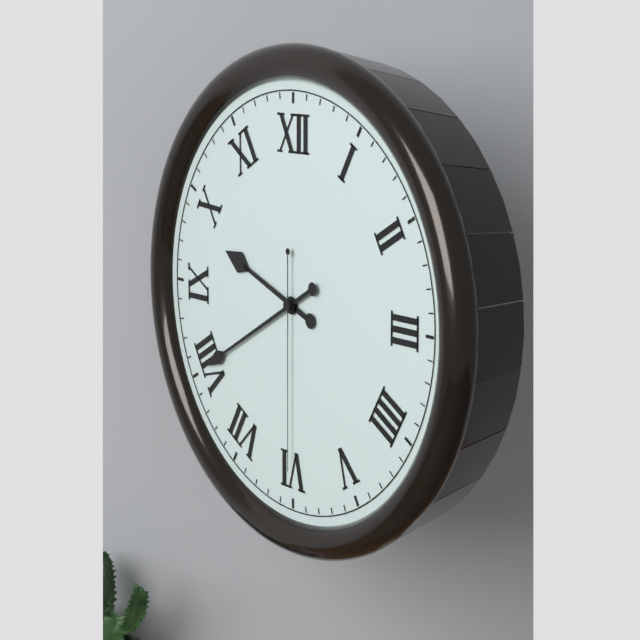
**9:40:30**
